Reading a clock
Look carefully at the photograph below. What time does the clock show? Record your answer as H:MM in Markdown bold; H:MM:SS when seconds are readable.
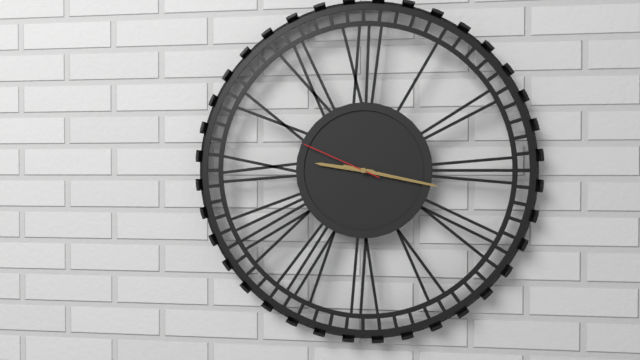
**9:17:49**
